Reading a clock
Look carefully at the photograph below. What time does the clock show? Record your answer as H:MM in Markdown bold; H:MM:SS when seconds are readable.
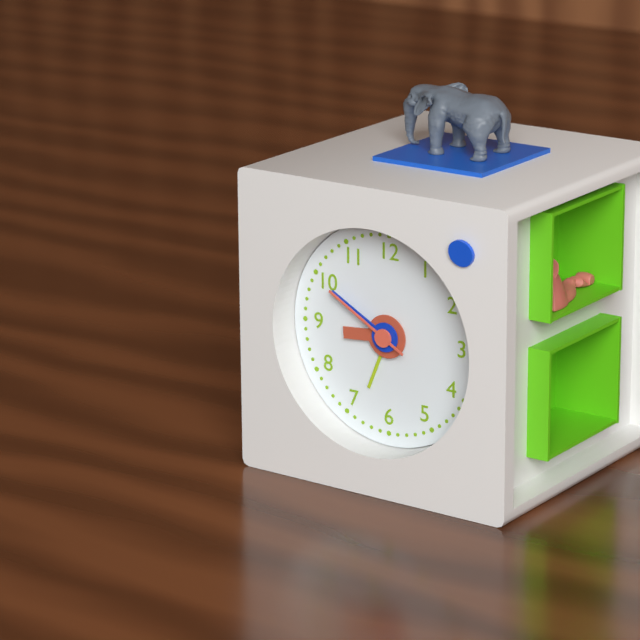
**8:50:50**
